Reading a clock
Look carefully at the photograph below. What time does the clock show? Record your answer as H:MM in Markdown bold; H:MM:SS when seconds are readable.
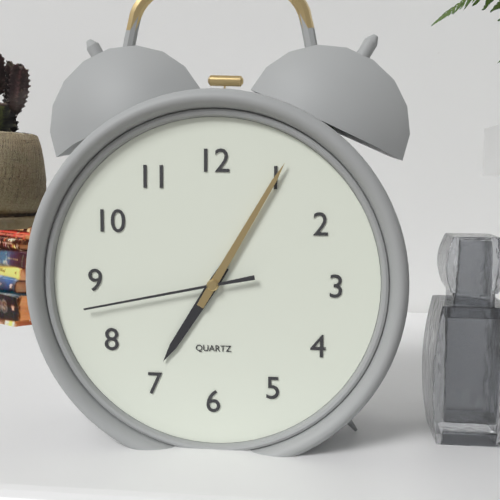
**7:05:43**
